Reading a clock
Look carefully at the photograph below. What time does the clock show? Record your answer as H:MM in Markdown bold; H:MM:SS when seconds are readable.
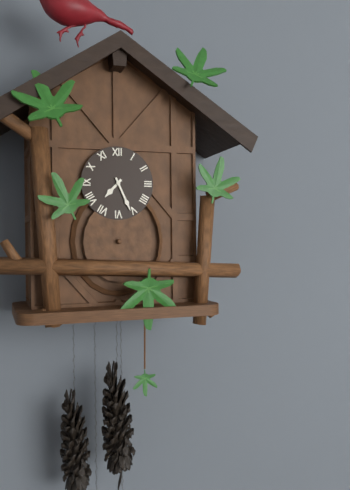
**7:26**
